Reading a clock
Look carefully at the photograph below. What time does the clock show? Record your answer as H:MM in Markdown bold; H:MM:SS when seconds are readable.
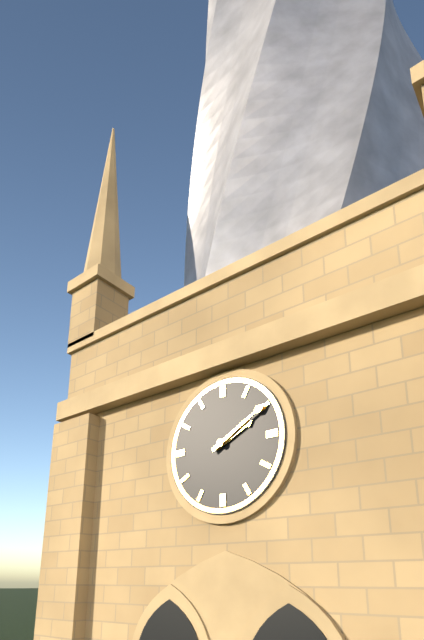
**2:10**
